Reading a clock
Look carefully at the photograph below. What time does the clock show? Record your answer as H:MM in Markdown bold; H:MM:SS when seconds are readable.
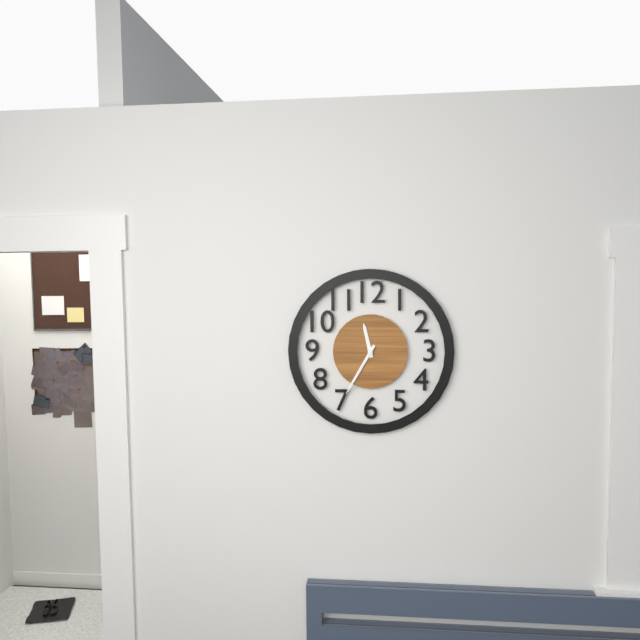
**11:35**
